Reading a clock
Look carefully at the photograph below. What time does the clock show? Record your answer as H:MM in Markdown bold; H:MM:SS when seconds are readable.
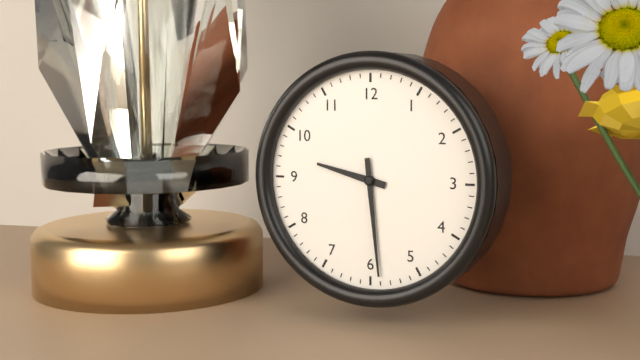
**9:29**
